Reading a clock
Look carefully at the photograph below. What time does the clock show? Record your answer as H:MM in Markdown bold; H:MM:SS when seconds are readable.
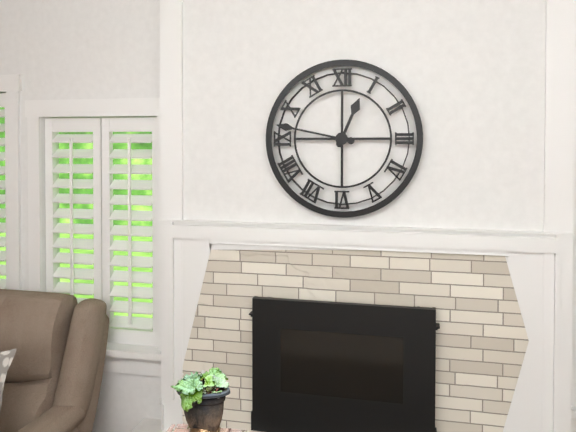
**12:47**
